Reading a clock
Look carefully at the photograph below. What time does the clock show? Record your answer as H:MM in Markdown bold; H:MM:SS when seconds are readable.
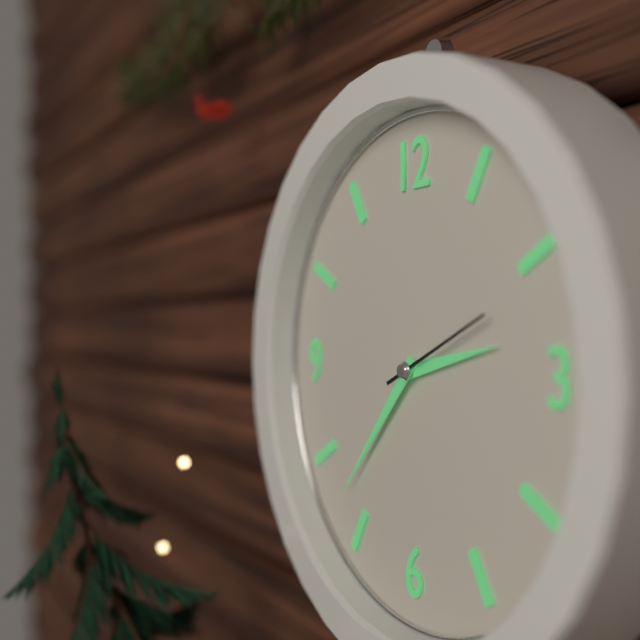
**2:37:11**
